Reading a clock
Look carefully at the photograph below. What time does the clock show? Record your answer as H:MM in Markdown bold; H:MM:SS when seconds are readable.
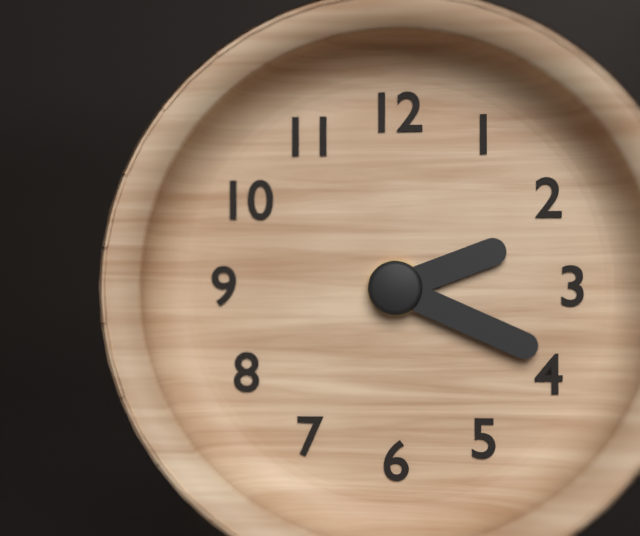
**2:19**
